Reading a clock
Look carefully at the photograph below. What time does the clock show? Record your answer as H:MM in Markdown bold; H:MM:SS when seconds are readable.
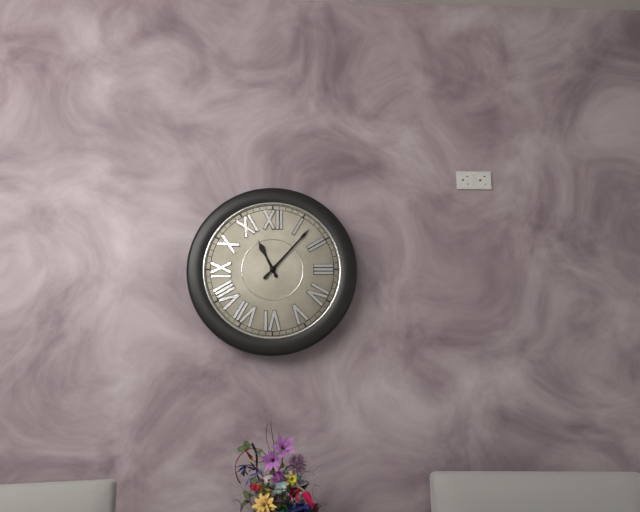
**11:07**
